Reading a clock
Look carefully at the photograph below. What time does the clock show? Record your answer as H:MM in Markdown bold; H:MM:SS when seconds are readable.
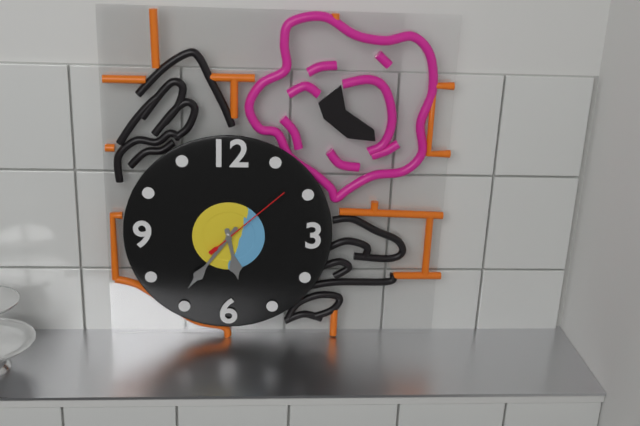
**5:36:08**
